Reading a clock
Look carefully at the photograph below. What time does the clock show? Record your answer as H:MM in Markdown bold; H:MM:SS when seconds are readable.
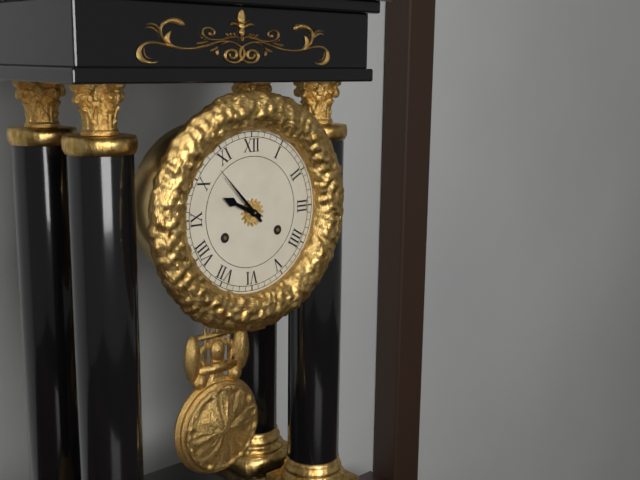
**9:53**
